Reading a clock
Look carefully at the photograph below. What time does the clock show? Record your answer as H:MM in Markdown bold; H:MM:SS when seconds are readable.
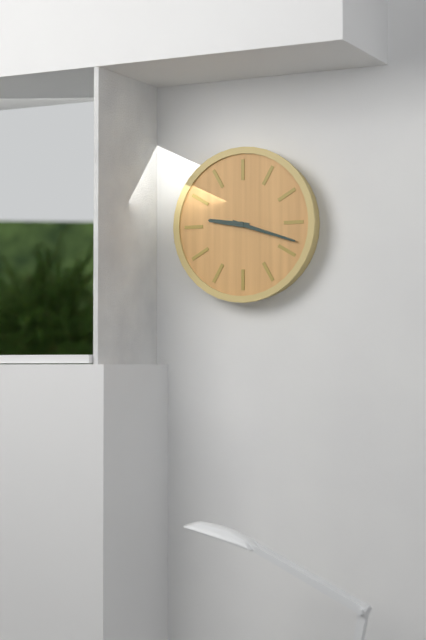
**9:18**
